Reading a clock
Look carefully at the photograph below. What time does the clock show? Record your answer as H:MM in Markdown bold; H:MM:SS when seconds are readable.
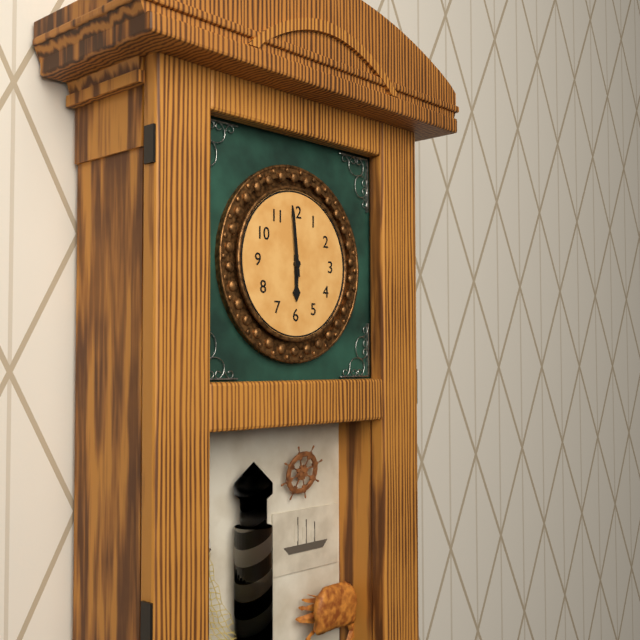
**5:59**
